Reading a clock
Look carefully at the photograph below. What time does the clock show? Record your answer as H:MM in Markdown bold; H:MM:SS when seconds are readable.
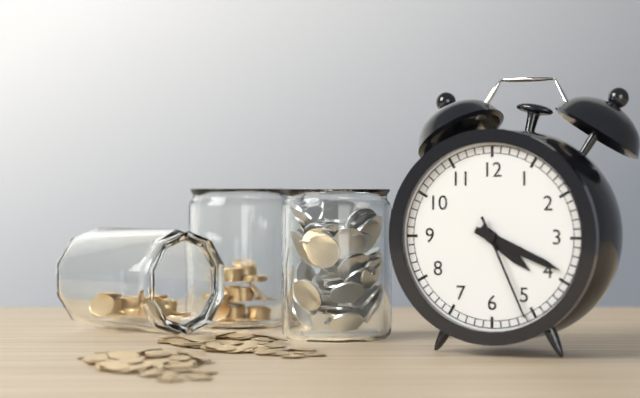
**4:19:26**
